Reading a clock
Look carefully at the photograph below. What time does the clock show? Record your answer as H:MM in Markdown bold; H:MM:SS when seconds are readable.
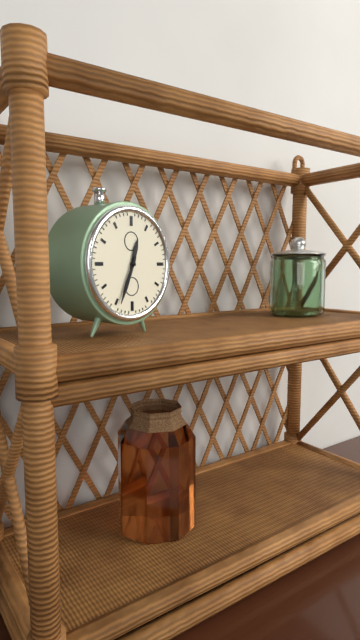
**12:34**
